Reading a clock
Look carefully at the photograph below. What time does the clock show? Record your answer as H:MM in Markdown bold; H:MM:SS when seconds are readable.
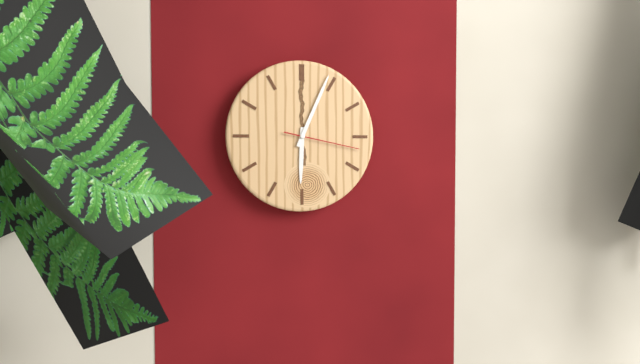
**6:04:17**
